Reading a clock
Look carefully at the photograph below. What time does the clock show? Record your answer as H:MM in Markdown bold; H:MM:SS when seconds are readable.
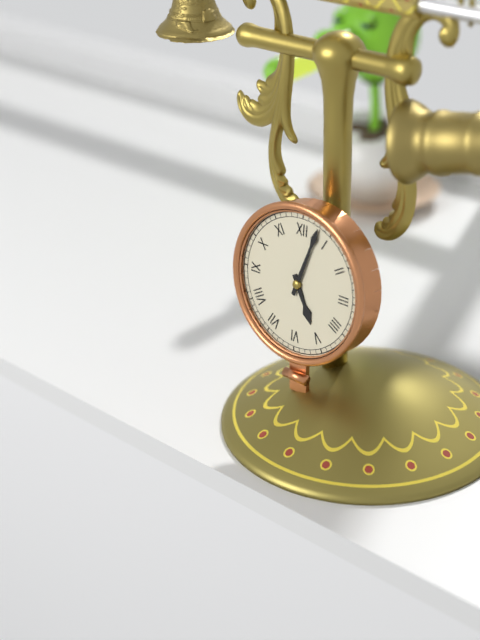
**5:03**
